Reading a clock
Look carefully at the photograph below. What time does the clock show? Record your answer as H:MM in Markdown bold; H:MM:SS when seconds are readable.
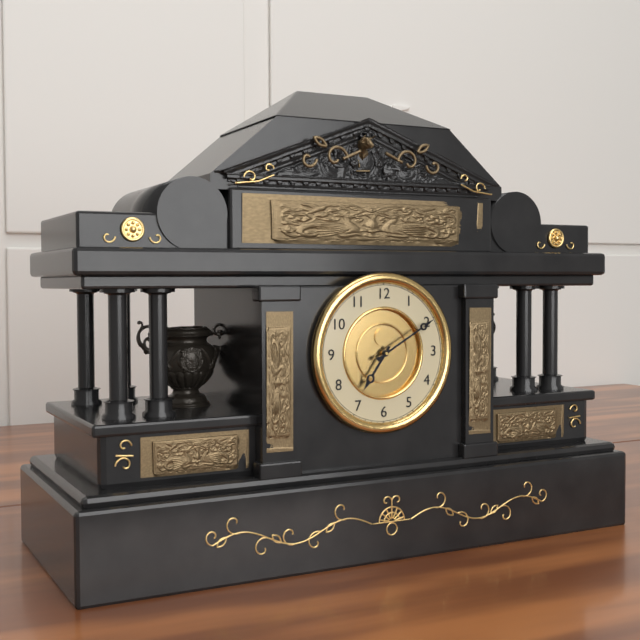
**7:10**
